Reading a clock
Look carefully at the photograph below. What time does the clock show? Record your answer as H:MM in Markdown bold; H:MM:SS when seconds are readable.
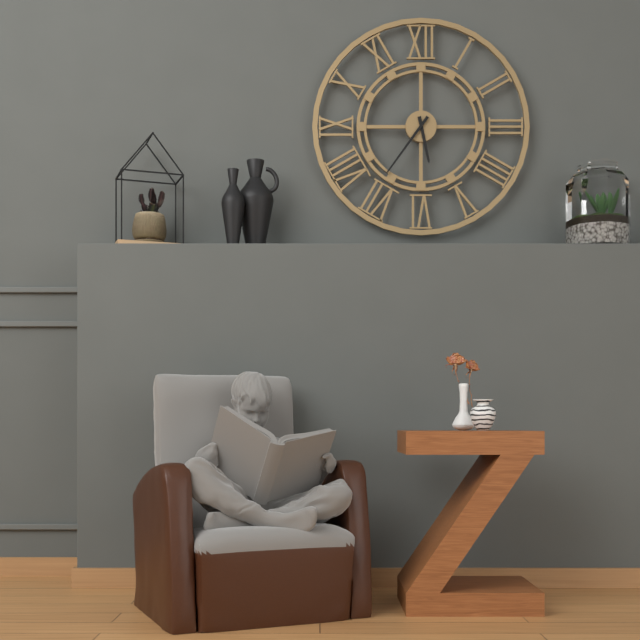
**5:36**
